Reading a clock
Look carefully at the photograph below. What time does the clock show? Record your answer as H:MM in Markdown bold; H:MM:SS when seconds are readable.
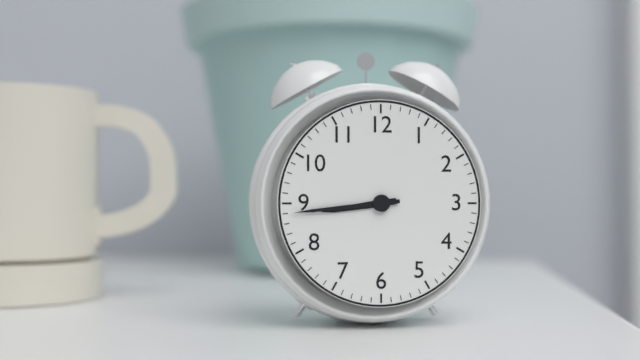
**8:44**
